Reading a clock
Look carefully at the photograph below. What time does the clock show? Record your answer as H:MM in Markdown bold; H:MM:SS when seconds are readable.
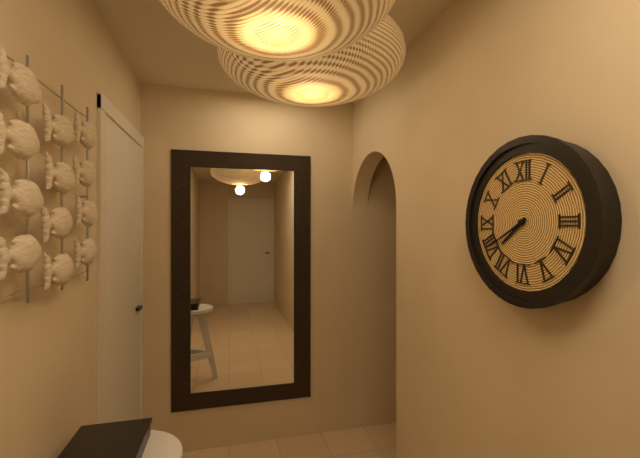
**7:40**
